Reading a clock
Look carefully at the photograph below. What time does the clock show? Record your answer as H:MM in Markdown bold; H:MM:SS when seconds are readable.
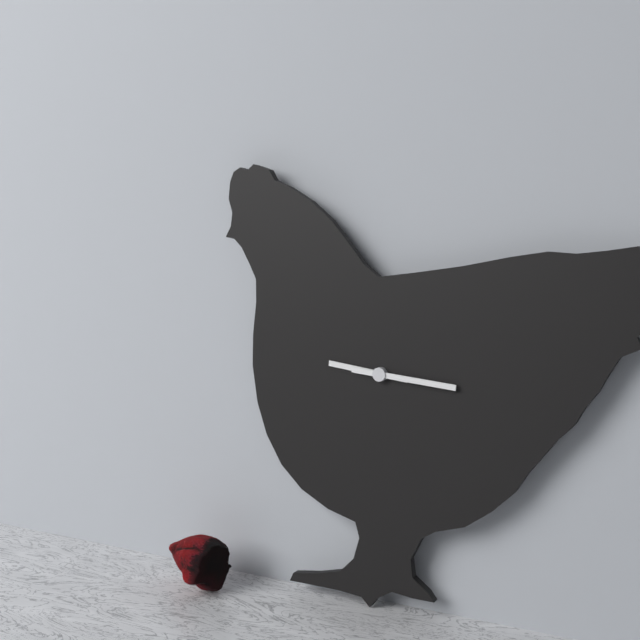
**9:16**
